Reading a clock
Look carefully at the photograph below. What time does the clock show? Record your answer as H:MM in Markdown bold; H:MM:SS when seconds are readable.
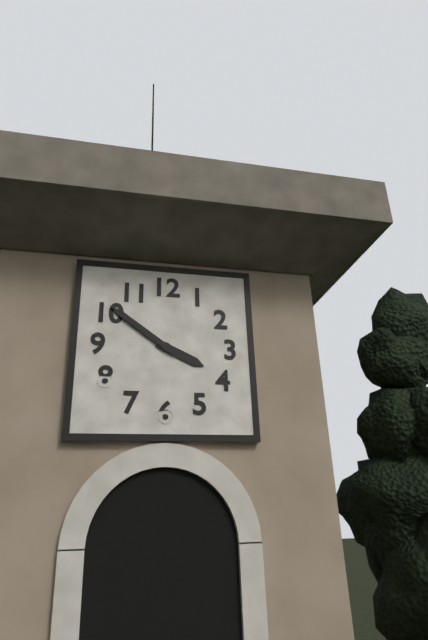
**3:51**
